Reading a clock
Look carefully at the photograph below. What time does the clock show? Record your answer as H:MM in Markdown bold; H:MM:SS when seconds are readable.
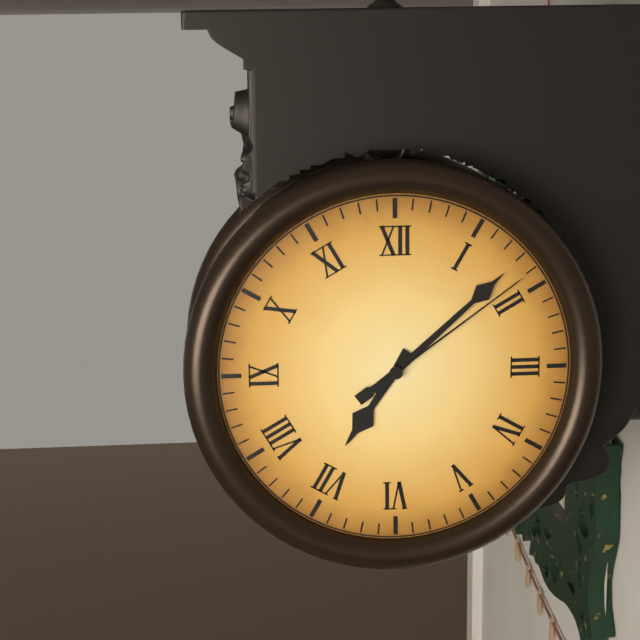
**7:08:09**
